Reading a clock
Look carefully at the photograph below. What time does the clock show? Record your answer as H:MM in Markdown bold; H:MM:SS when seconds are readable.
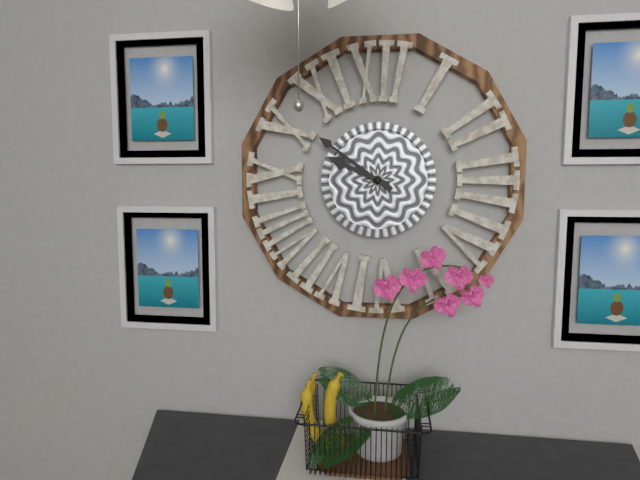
**9:51**
